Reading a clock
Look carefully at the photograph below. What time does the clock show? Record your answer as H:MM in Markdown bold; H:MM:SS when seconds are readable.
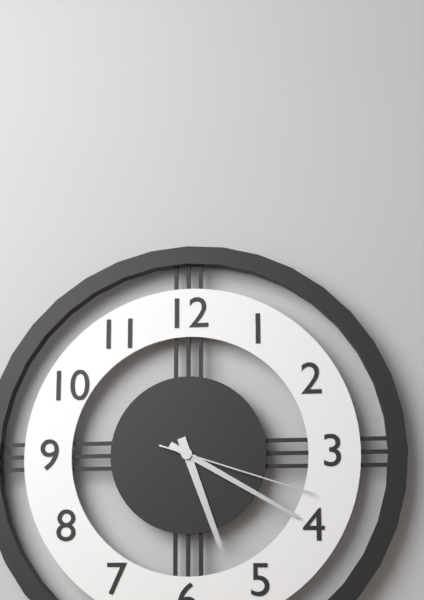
**5:20:18**
